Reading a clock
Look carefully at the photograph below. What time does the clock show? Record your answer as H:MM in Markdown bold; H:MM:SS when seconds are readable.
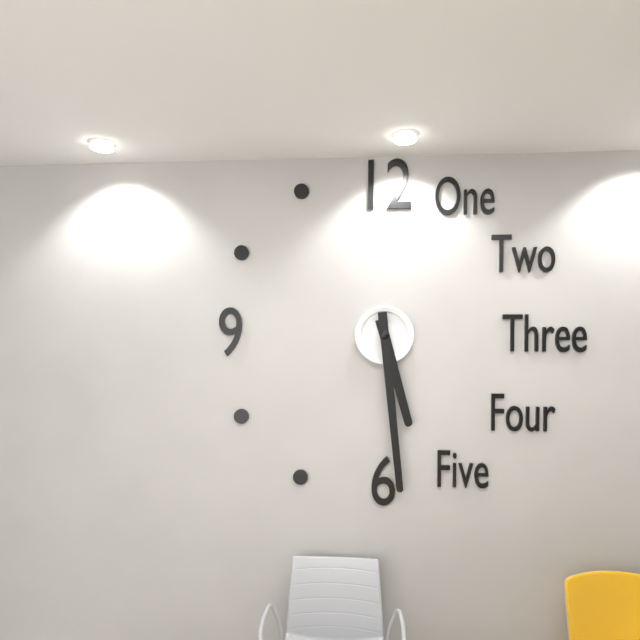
**5:29**
